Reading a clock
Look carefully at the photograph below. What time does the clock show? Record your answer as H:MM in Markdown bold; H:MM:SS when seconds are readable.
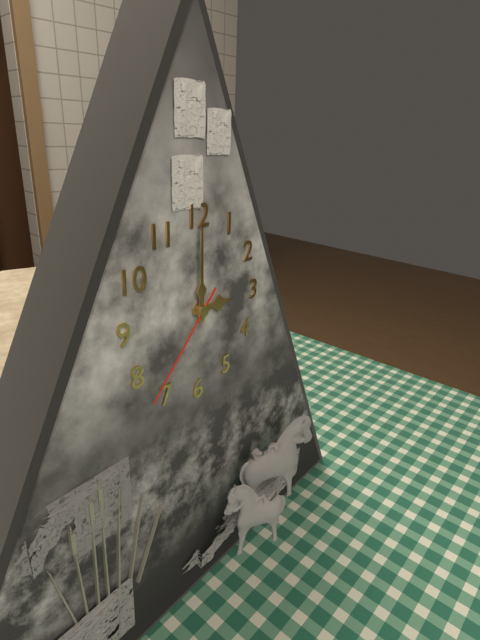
**3:00:37**
